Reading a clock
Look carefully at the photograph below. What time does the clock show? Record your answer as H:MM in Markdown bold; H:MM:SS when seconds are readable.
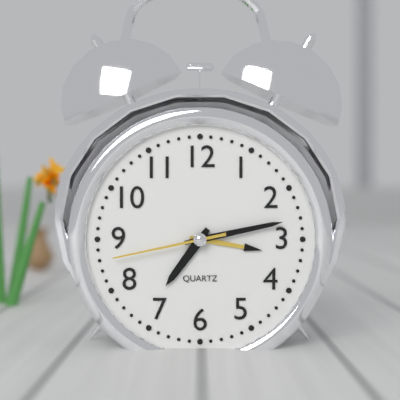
**7:13:43**
